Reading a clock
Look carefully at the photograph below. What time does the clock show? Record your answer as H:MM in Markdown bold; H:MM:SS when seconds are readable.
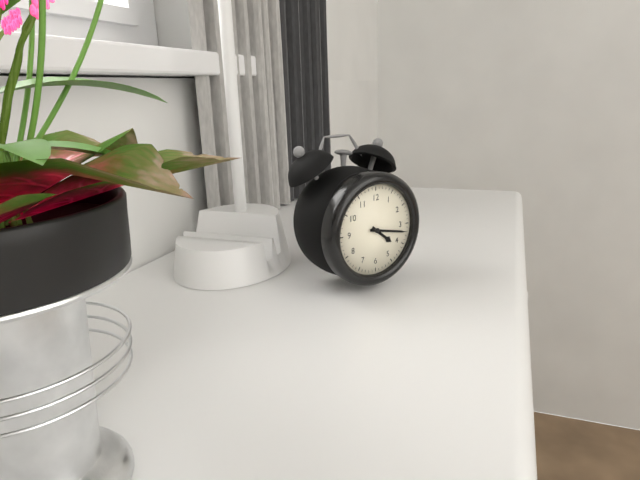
**4:17**
